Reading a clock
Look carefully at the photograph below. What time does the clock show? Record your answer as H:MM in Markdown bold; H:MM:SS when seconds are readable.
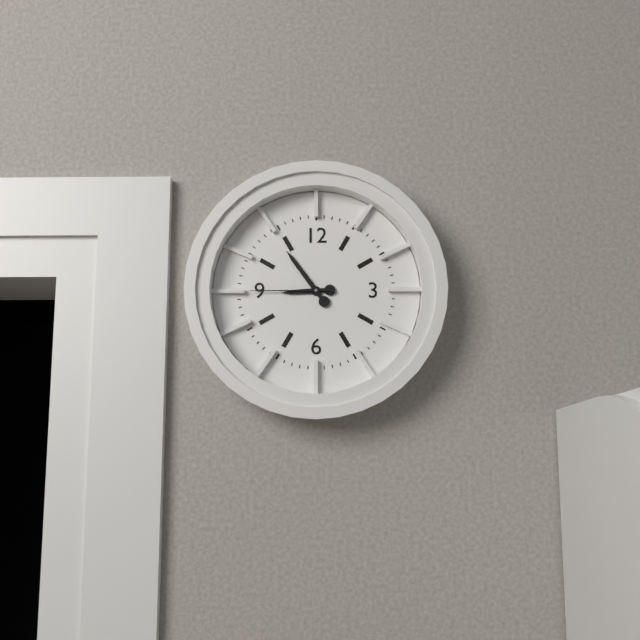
**8:54:45**
